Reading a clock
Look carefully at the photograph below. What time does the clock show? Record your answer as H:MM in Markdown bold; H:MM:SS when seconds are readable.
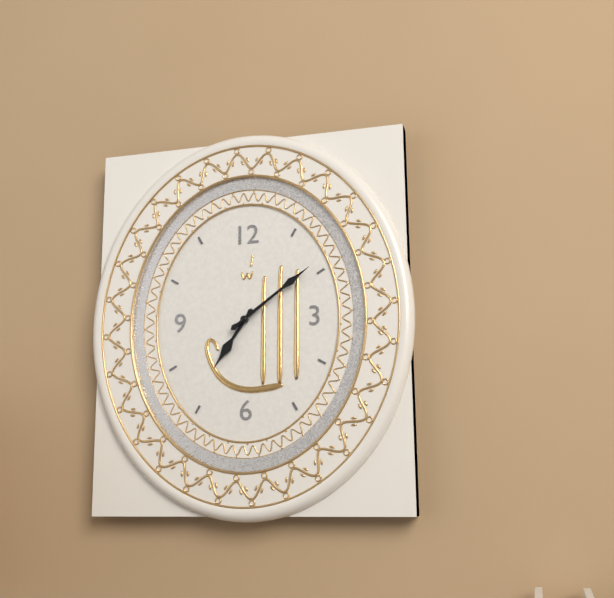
**7:09**
